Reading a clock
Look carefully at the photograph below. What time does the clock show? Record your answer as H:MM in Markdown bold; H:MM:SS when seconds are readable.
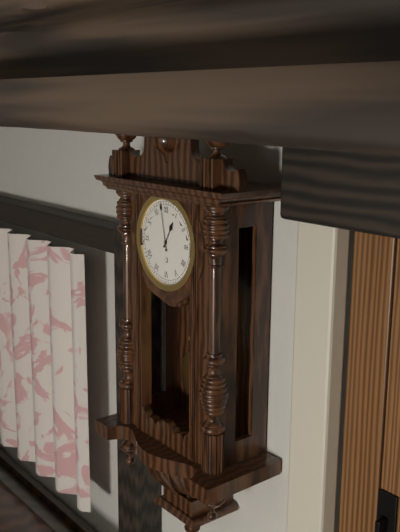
**12:58**
